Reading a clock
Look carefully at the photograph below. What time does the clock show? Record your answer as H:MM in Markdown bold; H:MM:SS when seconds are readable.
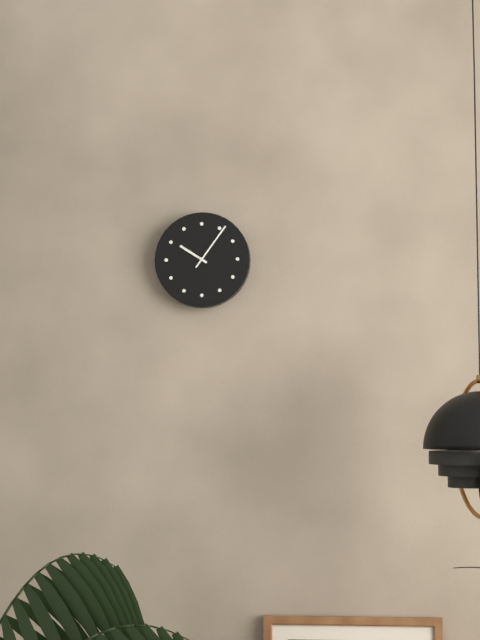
**10:06**
